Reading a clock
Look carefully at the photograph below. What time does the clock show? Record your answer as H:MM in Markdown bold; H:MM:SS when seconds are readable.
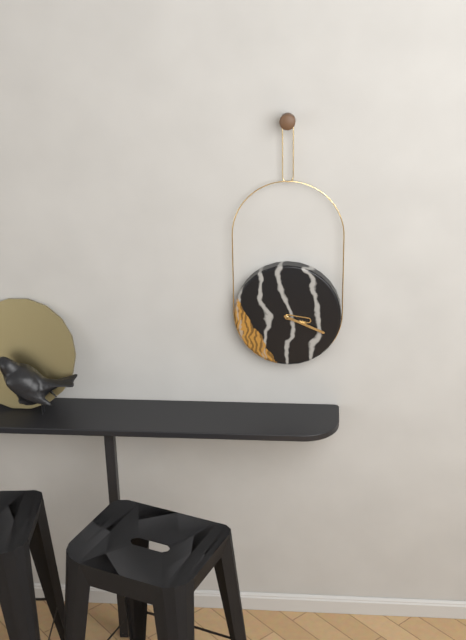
**3:19**
